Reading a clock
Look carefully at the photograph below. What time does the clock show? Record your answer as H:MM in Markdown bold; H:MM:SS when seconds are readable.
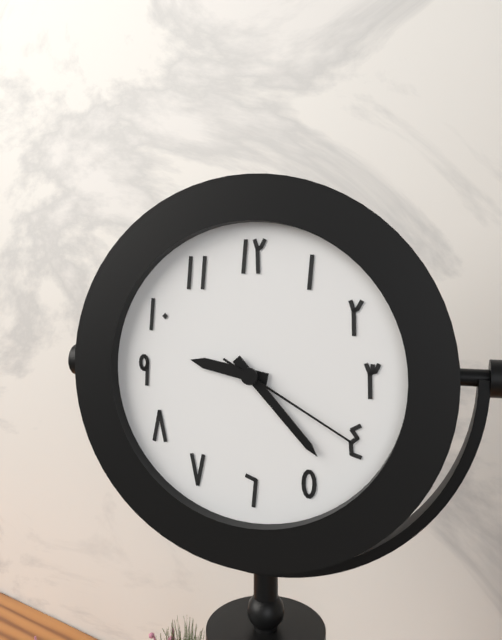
**9:23:20**
